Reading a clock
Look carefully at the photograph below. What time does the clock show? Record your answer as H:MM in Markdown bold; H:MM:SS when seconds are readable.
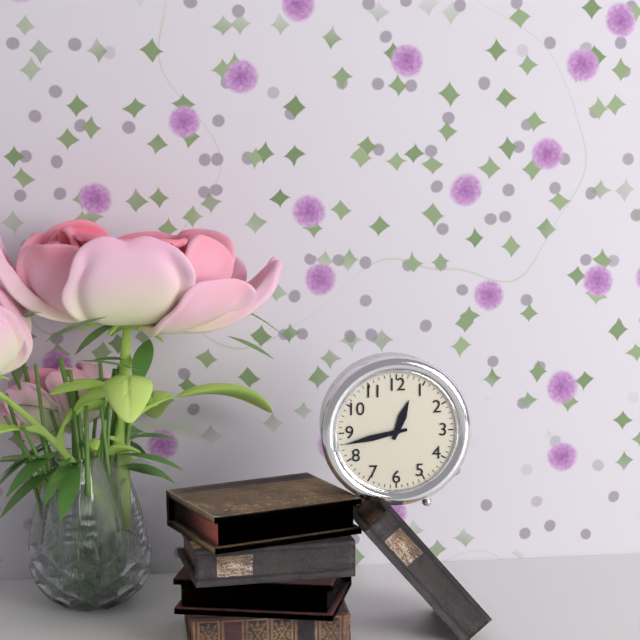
**12:43**
